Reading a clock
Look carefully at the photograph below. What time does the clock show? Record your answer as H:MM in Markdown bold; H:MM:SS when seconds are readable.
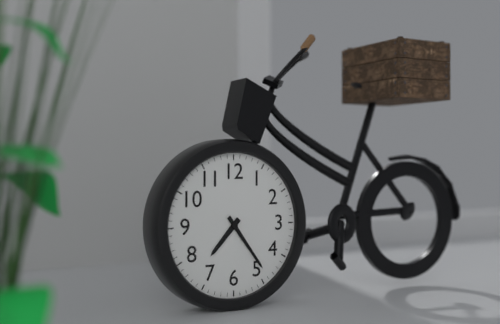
**7:24**
